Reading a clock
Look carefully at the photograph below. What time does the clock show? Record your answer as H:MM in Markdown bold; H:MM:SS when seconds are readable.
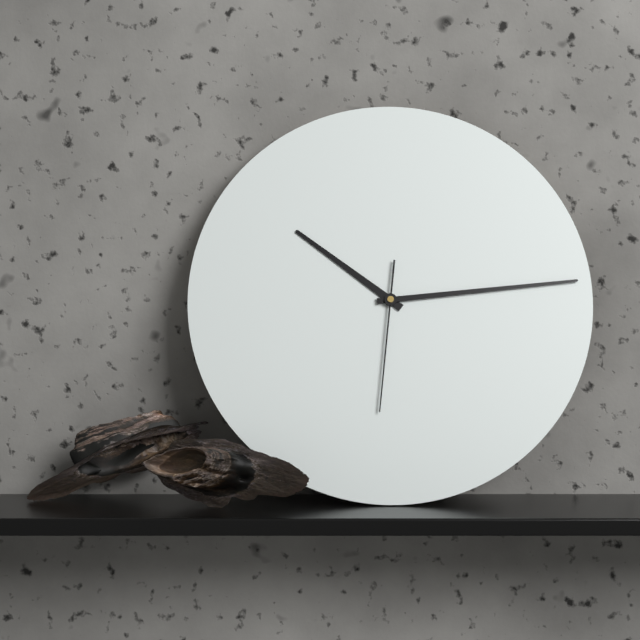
**10:14:31**
